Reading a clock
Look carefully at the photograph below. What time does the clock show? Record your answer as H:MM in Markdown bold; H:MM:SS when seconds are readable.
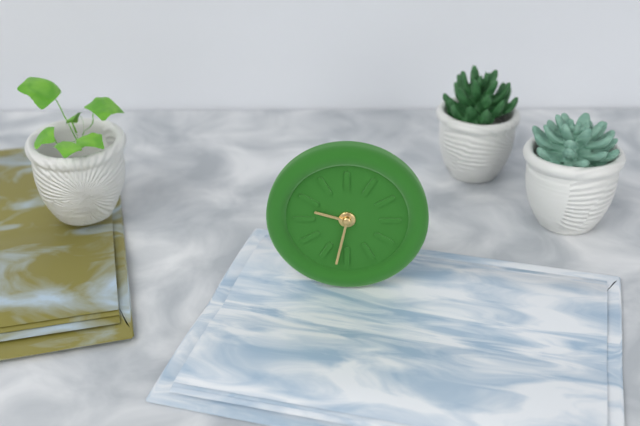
**9:32**
